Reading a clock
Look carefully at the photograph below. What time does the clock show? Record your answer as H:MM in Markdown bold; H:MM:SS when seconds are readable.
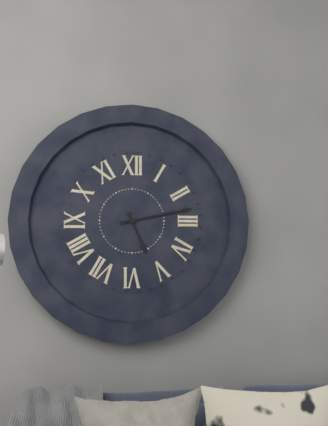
**5:13**
